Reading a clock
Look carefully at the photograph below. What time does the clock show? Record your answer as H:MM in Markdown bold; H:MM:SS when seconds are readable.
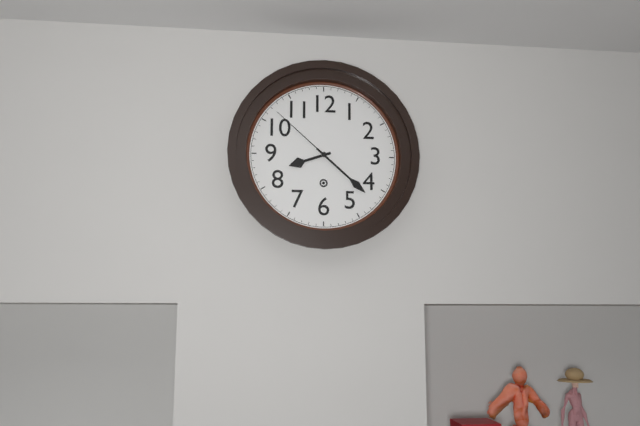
**8:22:52**
